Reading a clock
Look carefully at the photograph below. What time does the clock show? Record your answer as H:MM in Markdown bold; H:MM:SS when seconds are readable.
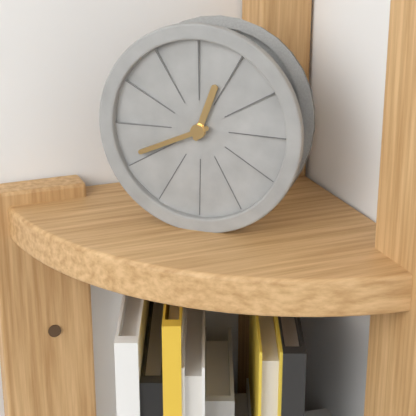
**12:41**
